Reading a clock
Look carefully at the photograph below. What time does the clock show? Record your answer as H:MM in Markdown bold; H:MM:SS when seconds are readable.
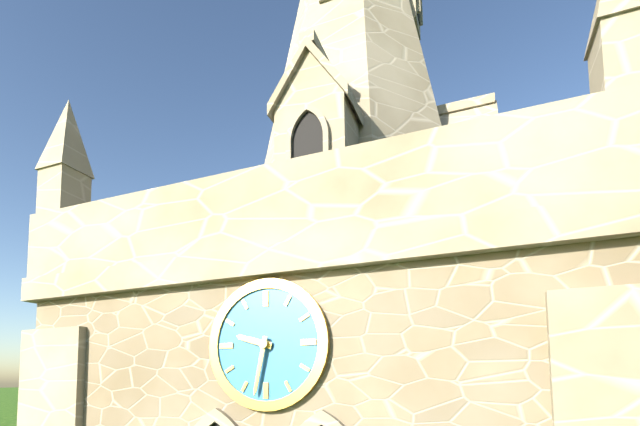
**9:32**
